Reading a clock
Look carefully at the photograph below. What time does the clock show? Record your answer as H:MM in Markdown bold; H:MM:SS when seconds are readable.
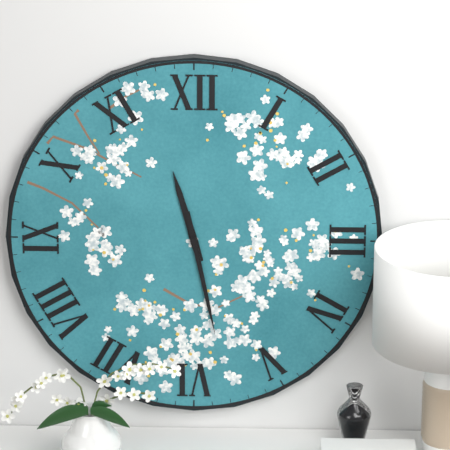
**11:28**
